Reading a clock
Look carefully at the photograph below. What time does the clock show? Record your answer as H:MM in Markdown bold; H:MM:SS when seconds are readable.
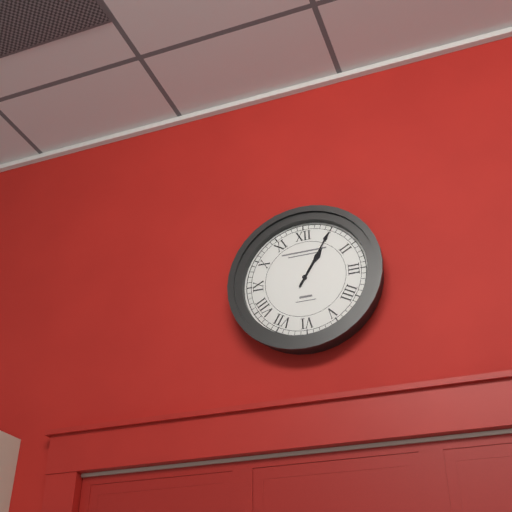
**1:05**
